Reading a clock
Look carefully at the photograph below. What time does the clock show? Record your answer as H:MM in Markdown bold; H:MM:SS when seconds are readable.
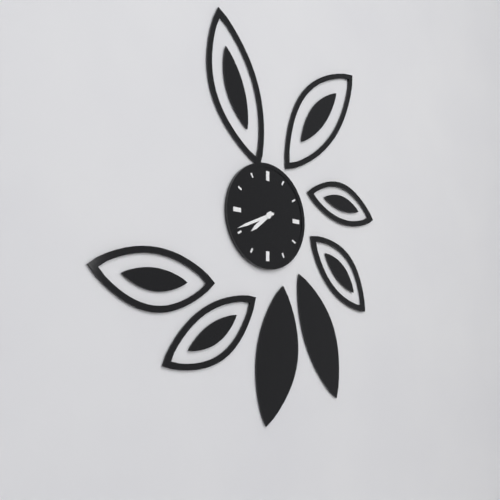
**7:41**
